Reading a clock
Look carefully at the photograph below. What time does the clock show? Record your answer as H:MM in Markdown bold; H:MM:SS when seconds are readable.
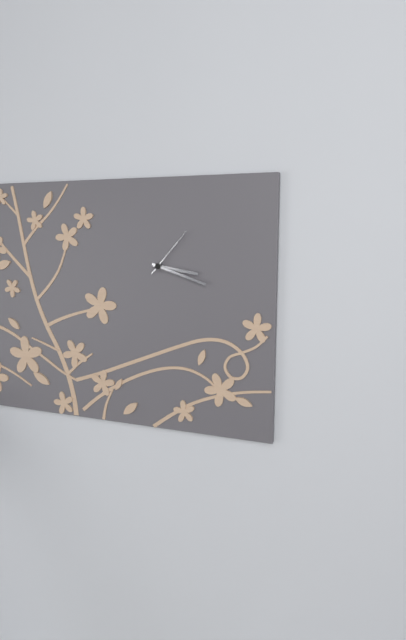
**3:18:07**
